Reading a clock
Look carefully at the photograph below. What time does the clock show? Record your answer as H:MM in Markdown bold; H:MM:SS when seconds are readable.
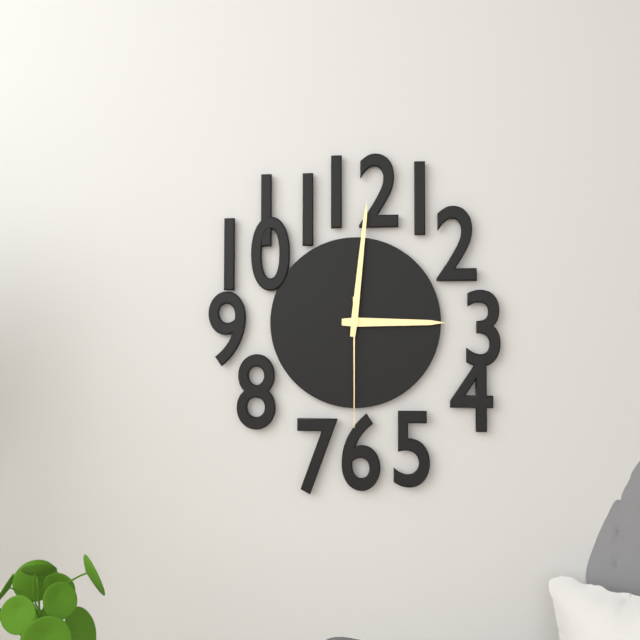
**3:01:30**
